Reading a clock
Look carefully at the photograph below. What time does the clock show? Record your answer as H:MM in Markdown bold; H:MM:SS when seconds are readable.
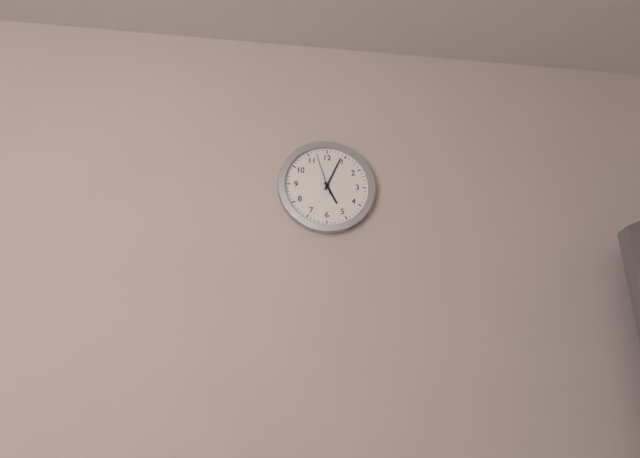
**5:04**
